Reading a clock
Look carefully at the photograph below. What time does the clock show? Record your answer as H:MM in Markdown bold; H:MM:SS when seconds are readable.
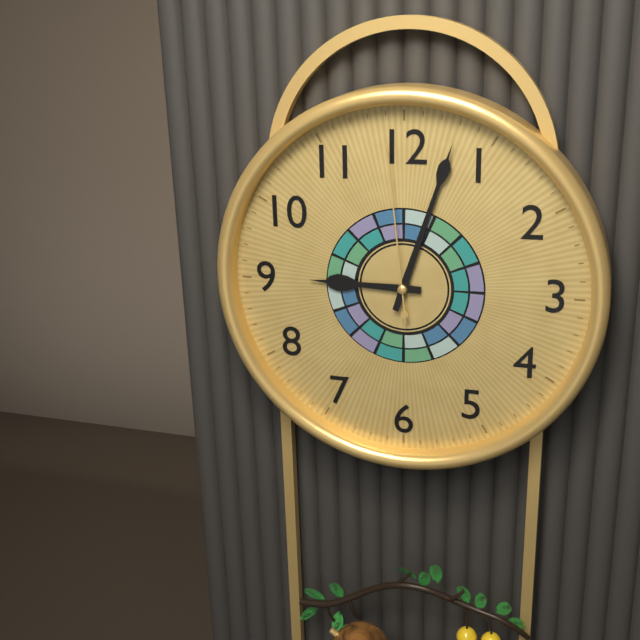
**9:03:59**
